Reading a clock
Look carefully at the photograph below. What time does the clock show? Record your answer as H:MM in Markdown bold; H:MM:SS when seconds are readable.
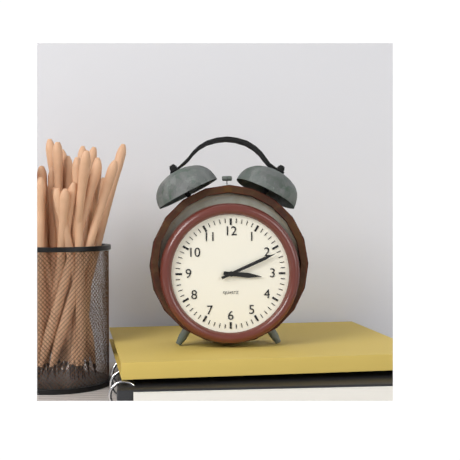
**3:11**
